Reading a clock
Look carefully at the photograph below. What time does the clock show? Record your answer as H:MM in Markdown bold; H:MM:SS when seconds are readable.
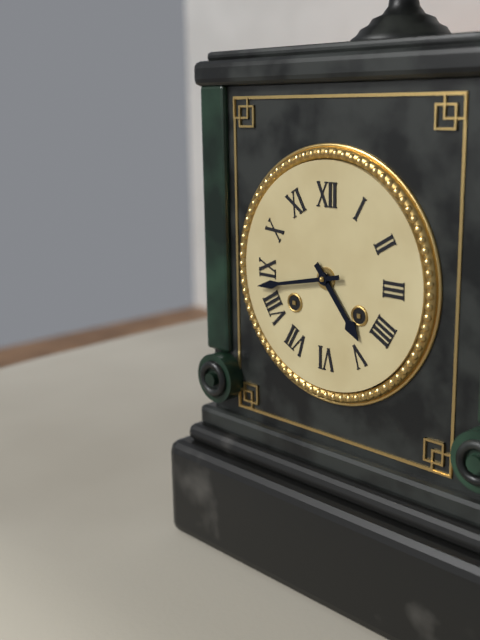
**4:43**
